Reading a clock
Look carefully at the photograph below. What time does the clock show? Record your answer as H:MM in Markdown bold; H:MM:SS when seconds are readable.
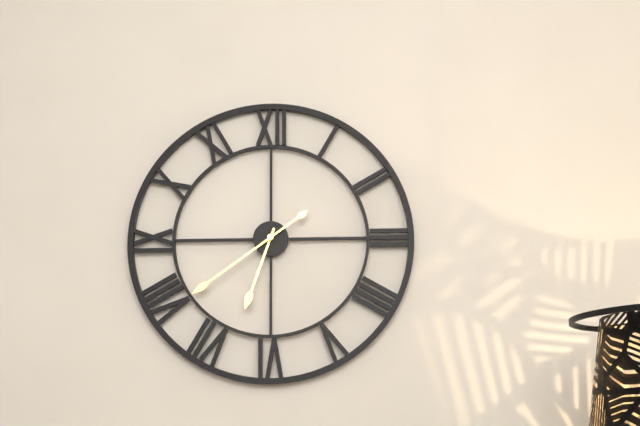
**6:39**
